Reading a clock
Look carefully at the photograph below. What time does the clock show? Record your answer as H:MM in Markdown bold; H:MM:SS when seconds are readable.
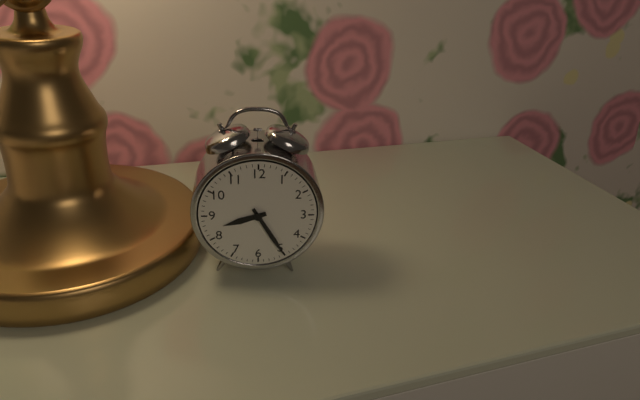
**8:25**
